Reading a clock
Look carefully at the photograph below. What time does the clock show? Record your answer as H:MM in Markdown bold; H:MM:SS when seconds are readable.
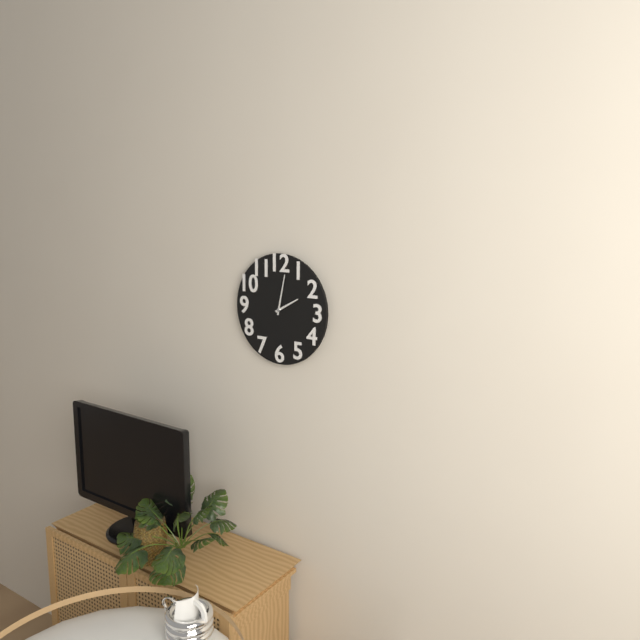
**2:02**
